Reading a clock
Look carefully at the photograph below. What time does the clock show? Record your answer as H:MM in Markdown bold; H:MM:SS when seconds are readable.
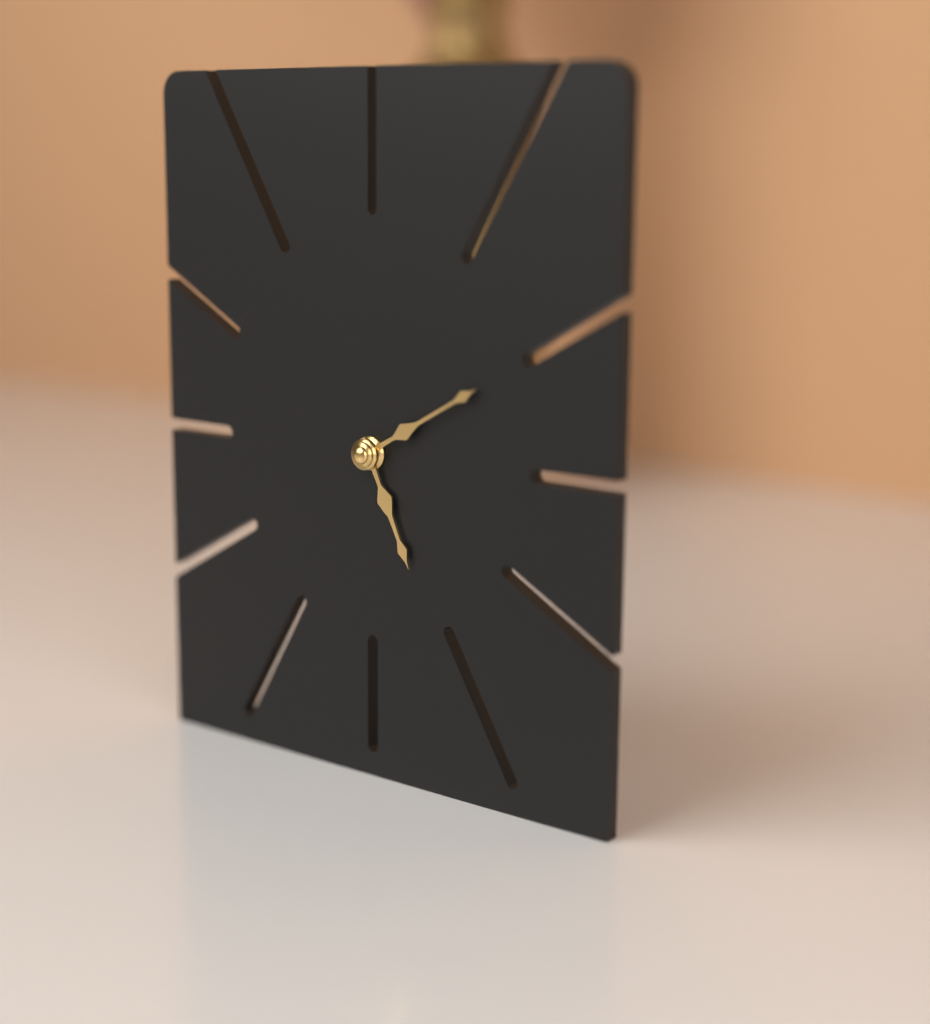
**5:10**
